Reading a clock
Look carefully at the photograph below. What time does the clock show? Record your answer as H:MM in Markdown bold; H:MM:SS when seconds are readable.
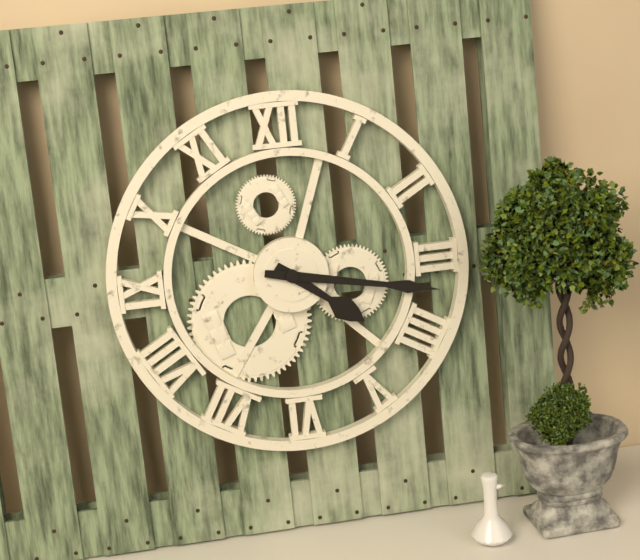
**4:17**
